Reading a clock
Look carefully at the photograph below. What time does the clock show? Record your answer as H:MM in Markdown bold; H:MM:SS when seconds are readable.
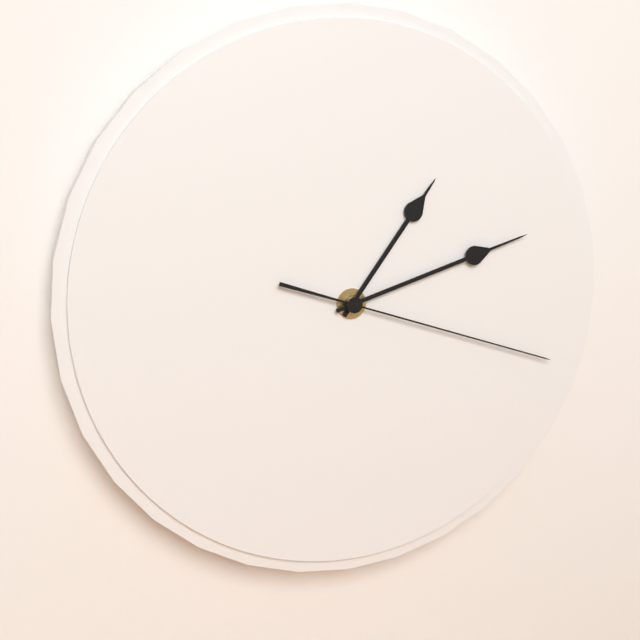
**1:12:18**
